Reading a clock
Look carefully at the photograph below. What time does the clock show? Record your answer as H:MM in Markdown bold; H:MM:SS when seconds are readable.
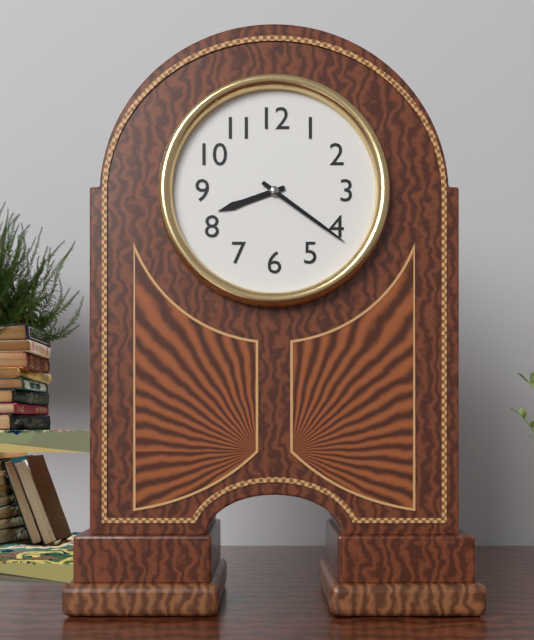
**8:21**
